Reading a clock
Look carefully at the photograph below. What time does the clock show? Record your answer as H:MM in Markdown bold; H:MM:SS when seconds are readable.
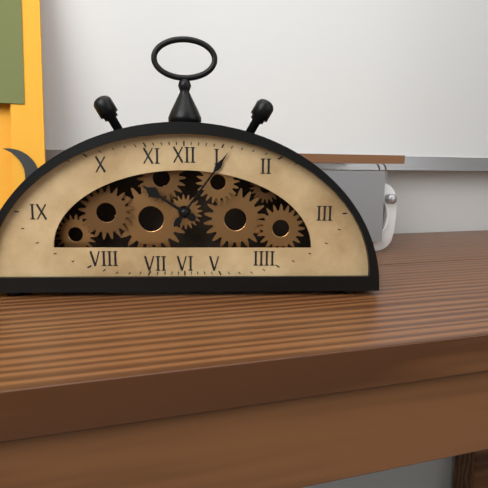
**10:06**
